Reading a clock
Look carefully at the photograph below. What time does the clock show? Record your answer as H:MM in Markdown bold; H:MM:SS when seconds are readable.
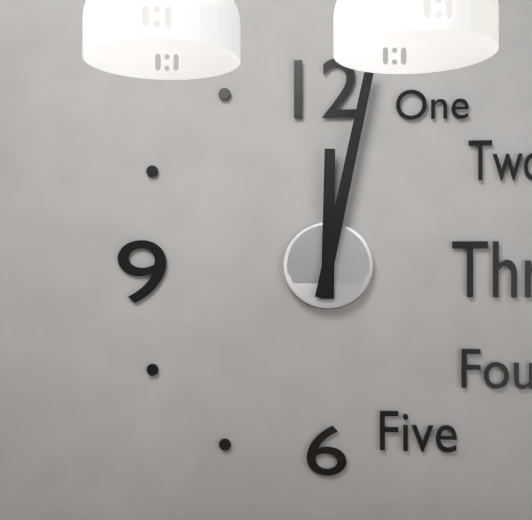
**12:02**
